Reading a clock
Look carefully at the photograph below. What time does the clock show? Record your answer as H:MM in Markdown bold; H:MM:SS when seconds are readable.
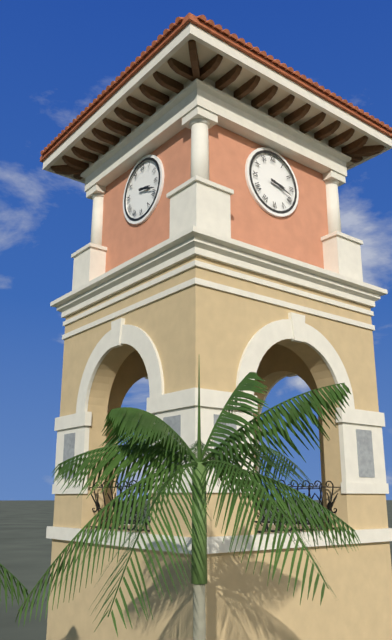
**3:18**
